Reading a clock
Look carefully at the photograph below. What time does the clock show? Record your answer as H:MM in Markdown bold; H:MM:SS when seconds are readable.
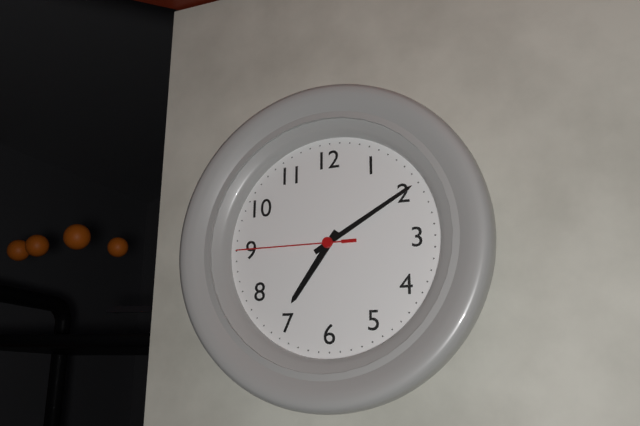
**7:10:45**
